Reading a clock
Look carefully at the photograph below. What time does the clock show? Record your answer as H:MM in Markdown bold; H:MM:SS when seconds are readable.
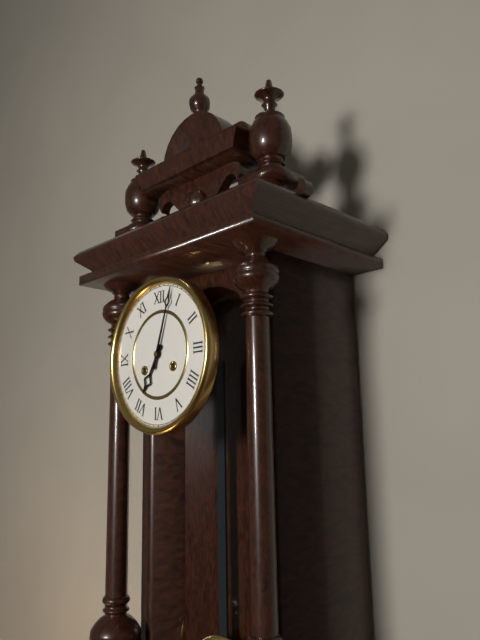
**7:03**
